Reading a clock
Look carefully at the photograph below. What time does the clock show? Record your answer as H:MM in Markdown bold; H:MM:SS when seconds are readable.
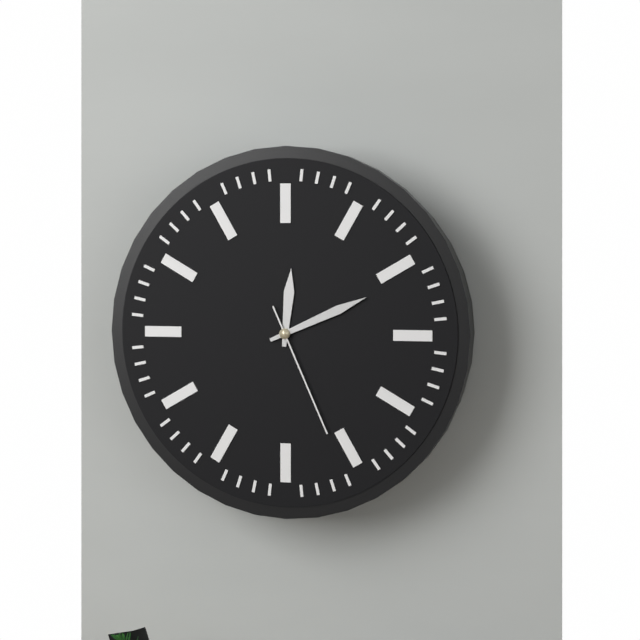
**12:11:26**
